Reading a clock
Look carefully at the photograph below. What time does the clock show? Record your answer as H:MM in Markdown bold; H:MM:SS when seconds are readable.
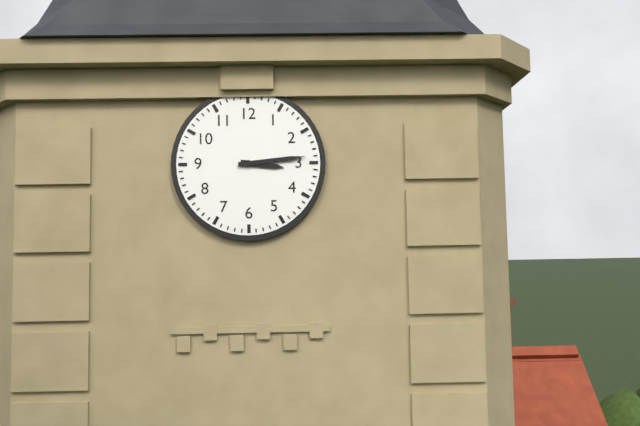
**3:14**
